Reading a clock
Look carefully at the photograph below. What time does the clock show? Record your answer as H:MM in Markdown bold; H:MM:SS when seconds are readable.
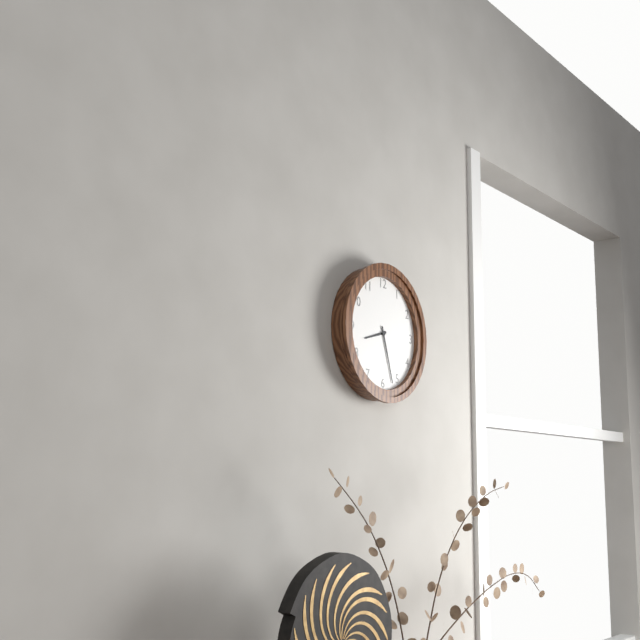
**8:27**
